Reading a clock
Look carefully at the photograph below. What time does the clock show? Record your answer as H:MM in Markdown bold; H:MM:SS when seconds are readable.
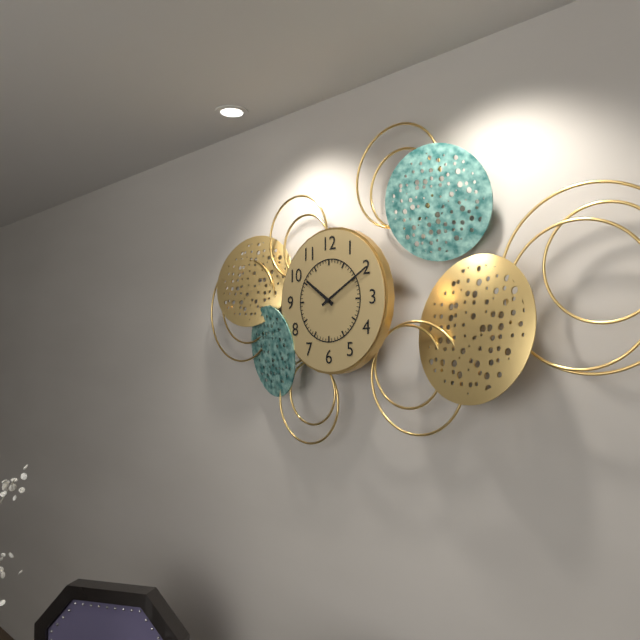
**10:10**
